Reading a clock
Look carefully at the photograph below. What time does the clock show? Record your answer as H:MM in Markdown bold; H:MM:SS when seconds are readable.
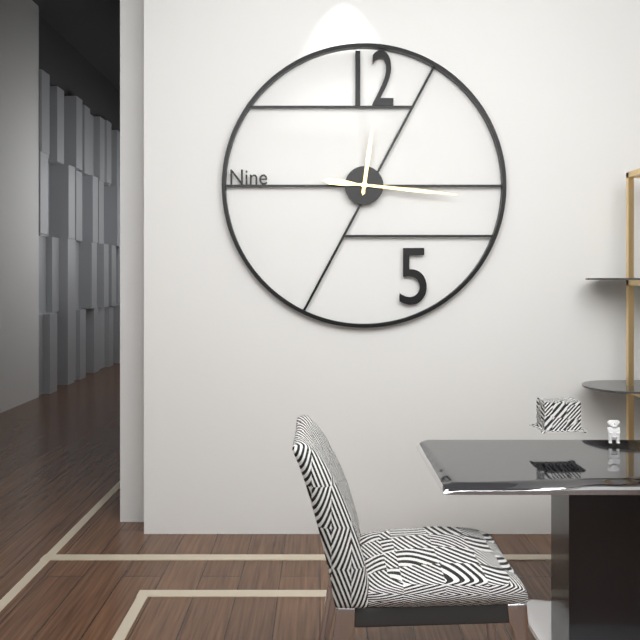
**12:16**
